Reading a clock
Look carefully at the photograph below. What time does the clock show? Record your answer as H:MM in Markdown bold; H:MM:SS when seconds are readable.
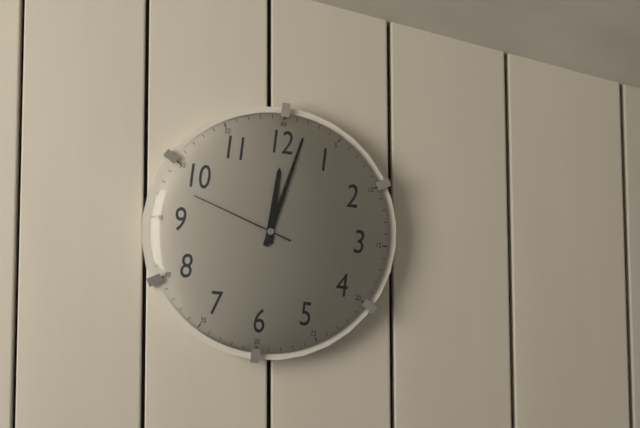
**12:02:48**
